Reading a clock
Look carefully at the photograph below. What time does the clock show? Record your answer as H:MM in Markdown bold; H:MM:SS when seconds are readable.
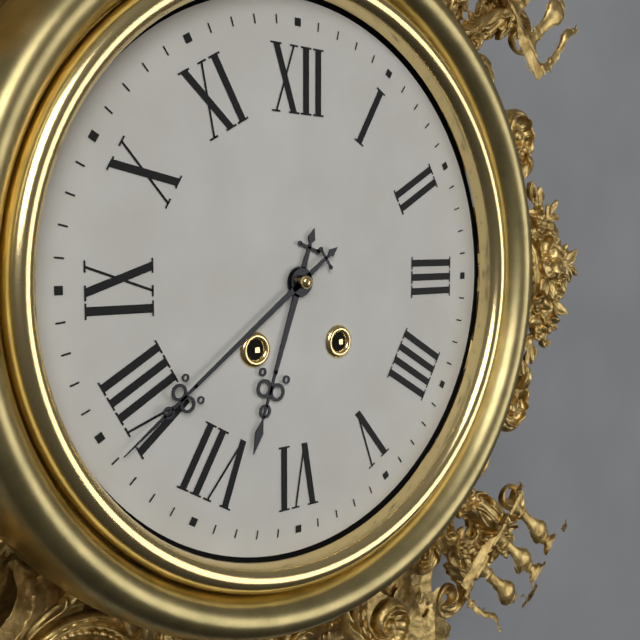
**6:39**
